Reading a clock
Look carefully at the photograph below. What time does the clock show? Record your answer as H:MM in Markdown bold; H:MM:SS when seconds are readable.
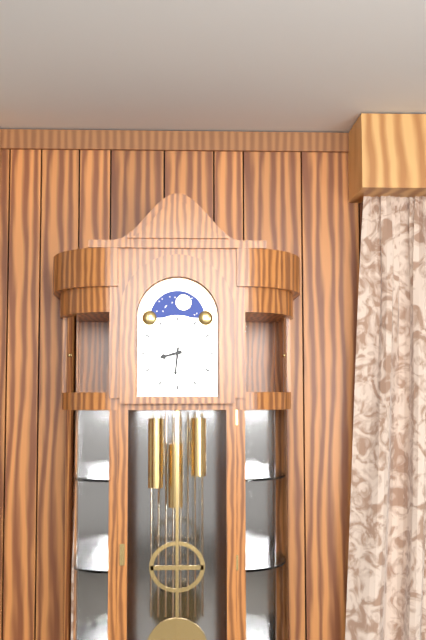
**8:31**
